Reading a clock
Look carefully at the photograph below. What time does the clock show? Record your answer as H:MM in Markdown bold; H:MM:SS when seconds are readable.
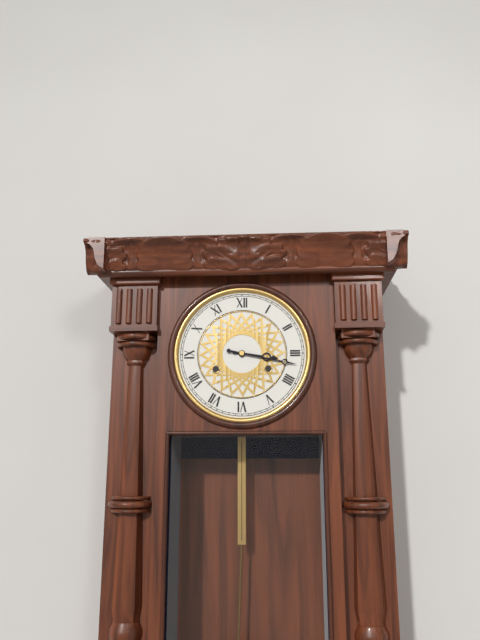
**3:17**
